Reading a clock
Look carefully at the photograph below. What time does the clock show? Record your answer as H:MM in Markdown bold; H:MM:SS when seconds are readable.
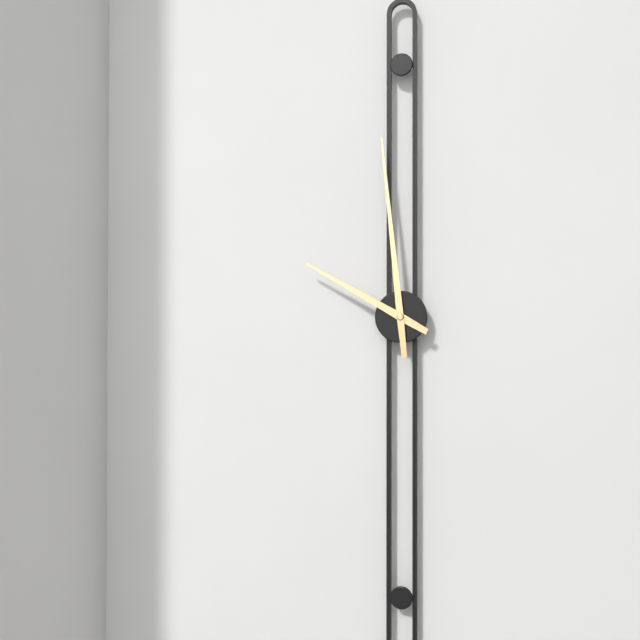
**9:59**
